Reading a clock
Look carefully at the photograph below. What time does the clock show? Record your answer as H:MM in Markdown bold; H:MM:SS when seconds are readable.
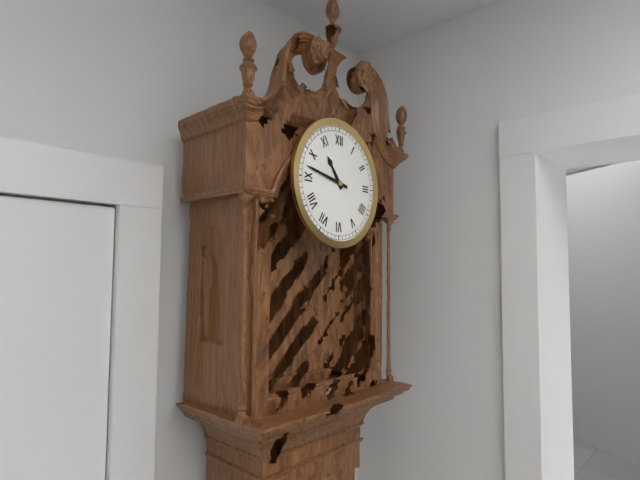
**10:47**
